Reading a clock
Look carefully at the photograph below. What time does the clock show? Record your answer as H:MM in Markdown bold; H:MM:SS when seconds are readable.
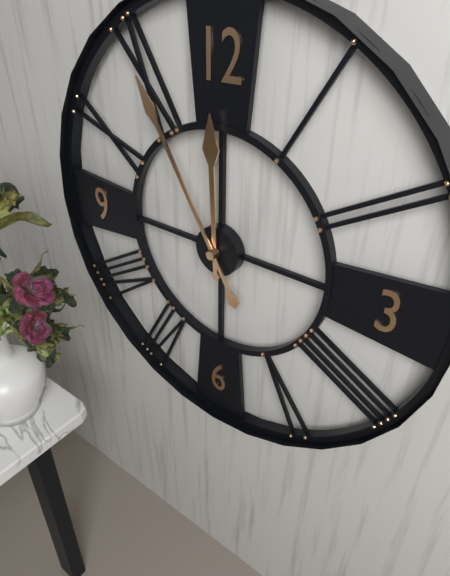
**11:55**
